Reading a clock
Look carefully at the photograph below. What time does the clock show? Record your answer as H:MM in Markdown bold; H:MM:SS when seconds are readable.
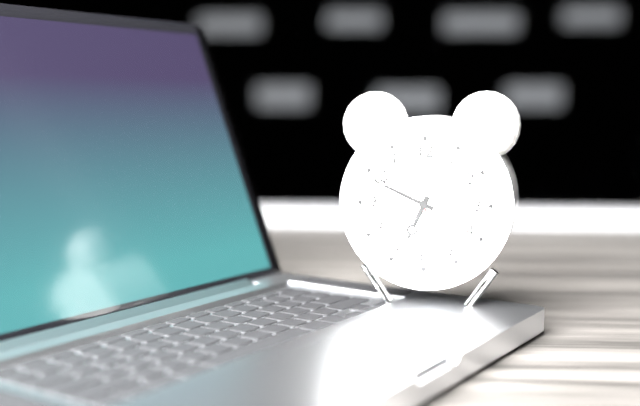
**6:49:57**
